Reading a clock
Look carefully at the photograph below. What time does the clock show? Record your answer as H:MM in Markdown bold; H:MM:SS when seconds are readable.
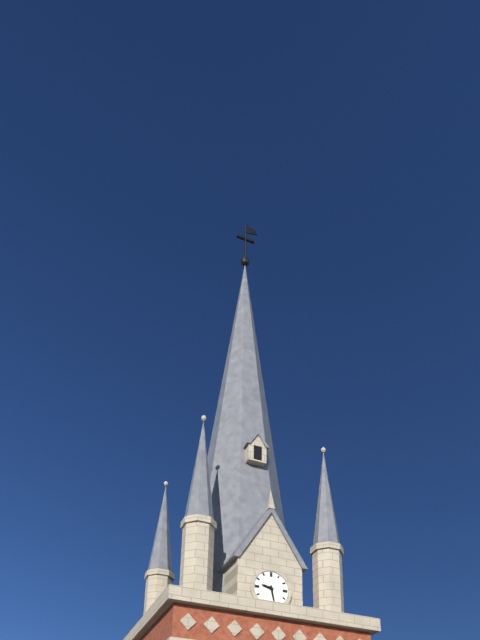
**9:28**
